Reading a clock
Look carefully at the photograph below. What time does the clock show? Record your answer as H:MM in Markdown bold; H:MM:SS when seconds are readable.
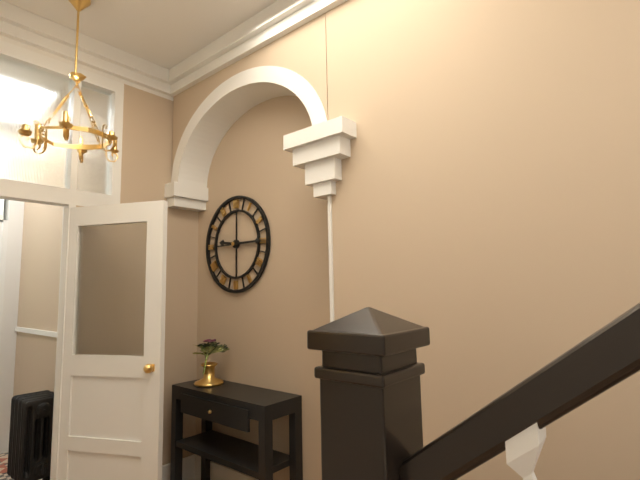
**9:15**
